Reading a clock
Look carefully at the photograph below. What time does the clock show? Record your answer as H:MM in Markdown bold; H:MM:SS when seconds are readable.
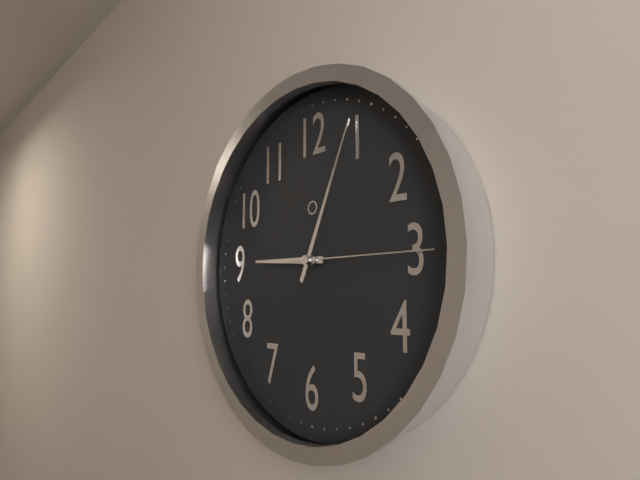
**9:04:15**
